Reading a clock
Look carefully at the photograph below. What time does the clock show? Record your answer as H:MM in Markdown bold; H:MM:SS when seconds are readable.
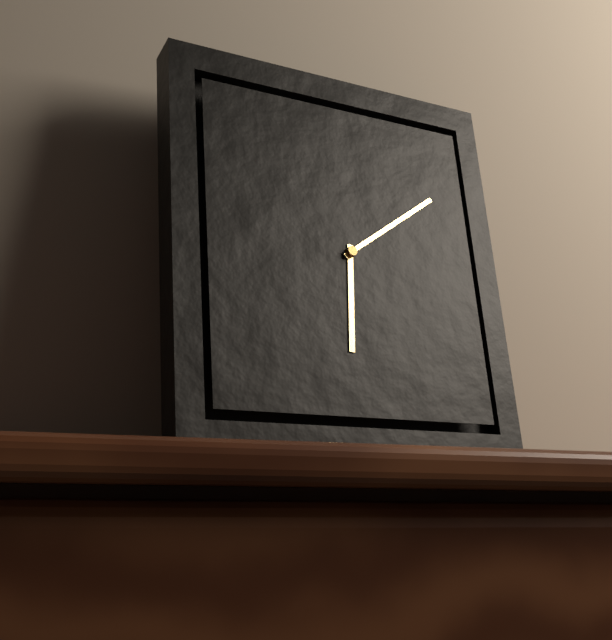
**6:09**
